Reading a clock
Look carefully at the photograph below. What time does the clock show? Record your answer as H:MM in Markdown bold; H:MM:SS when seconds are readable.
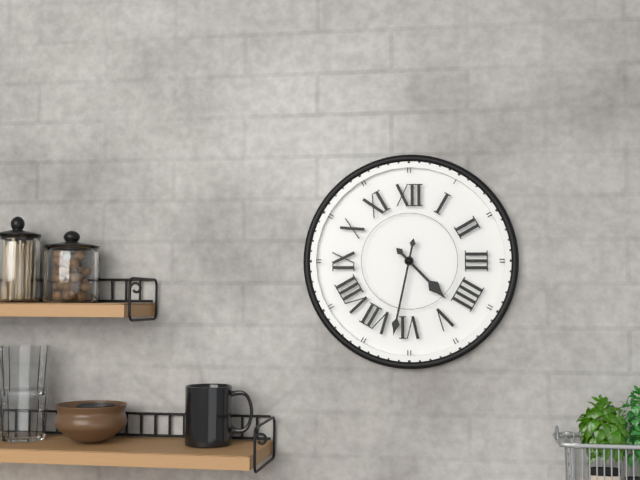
**4:32**
